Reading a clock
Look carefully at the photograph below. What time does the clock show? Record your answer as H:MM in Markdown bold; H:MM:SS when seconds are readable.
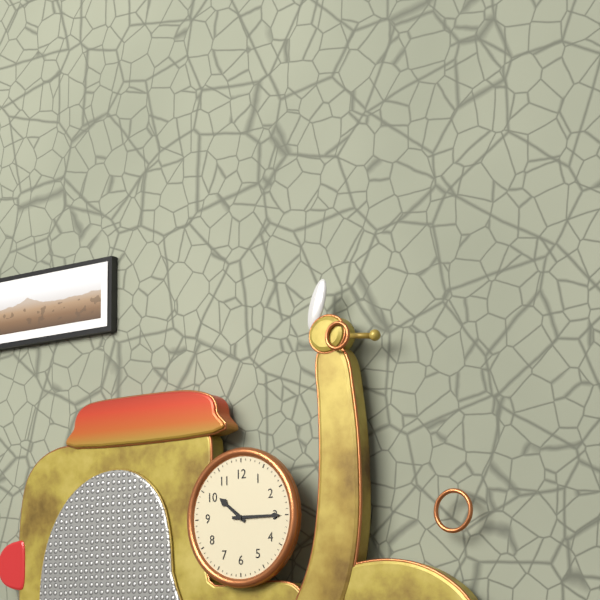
**10:15**
